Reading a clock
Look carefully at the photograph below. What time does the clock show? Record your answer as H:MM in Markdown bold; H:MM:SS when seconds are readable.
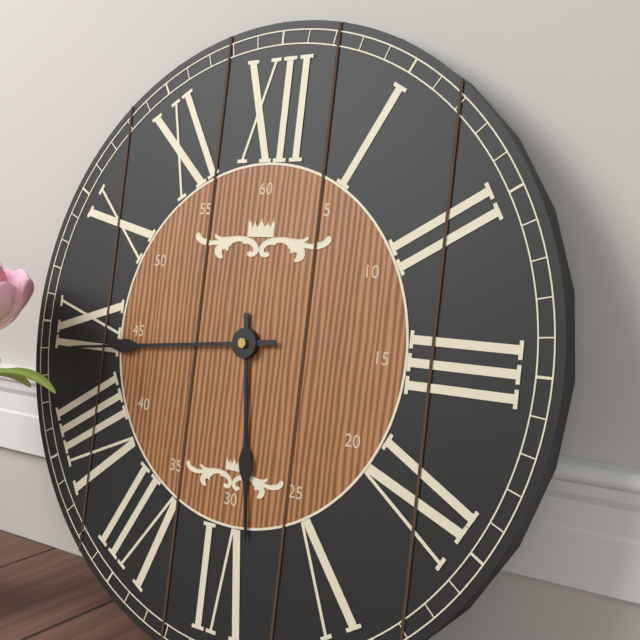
**5:44**
